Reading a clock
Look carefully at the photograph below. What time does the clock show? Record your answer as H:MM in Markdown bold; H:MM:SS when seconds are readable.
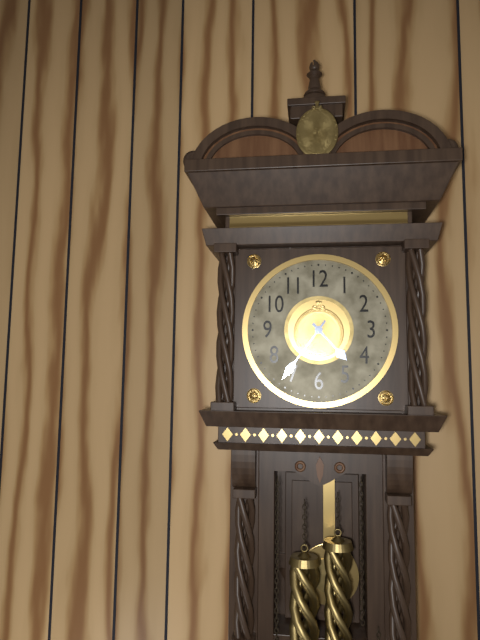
**4:36**
